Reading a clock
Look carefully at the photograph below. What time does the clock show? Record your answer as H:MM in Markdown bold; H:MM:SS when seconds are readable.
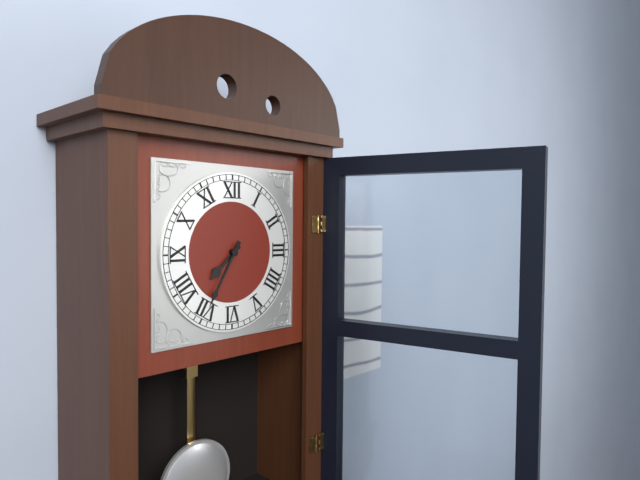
**7:35**
